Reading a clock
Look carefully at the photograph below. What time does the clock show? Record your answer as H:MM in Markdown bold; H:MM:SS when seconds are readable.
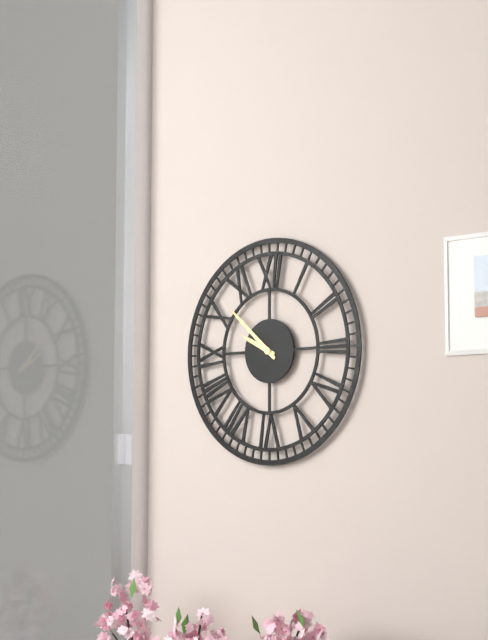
**9:52**
